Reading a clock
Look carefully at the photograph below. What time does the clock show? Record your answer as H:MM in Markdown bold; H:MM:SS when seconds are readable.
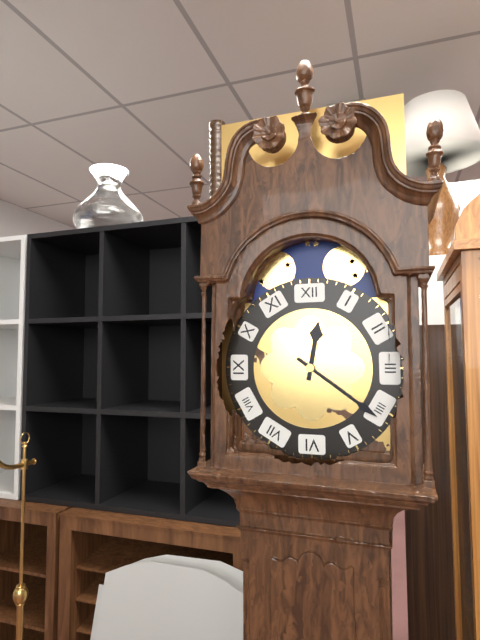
**12:21**
